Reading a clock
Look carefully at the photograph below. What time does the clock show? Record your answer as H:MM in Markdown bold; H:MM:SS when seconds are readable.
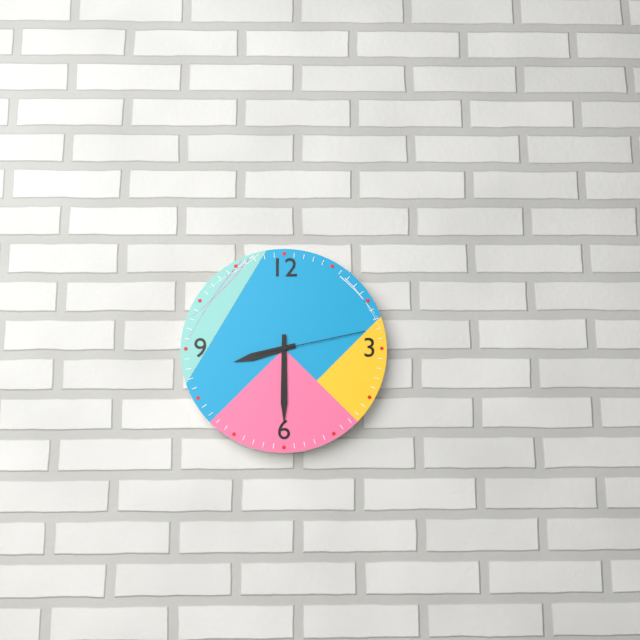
**8:30:13**
